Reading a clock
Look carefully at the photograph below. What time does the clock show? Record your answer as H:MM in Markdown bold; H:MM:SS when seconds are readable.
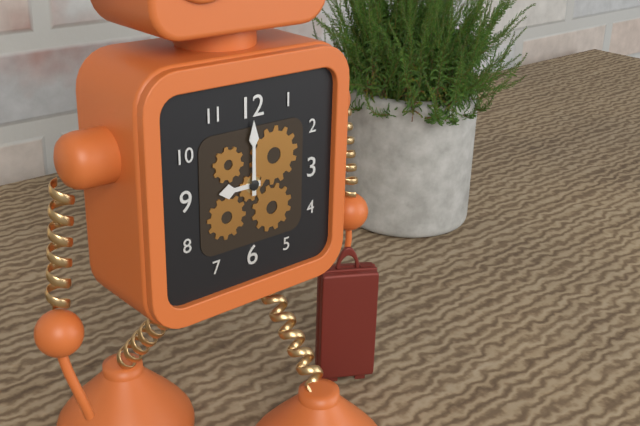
**9:00**
